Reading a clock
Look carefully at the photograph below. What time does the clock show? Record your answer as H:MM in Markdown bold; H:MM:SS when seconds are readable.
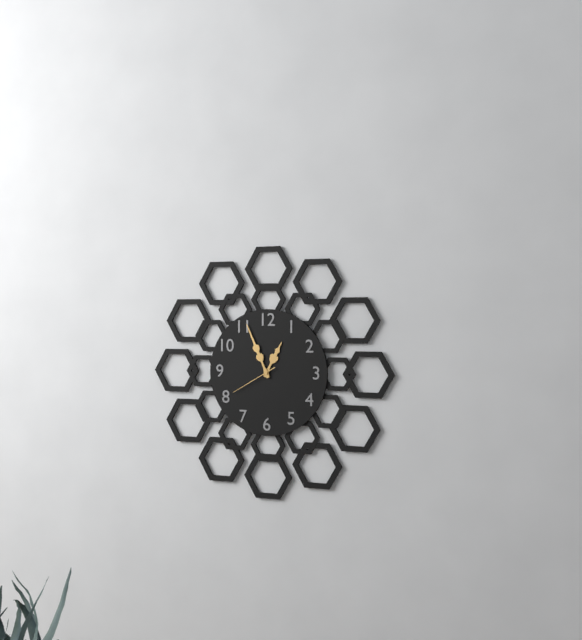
**12:56**
